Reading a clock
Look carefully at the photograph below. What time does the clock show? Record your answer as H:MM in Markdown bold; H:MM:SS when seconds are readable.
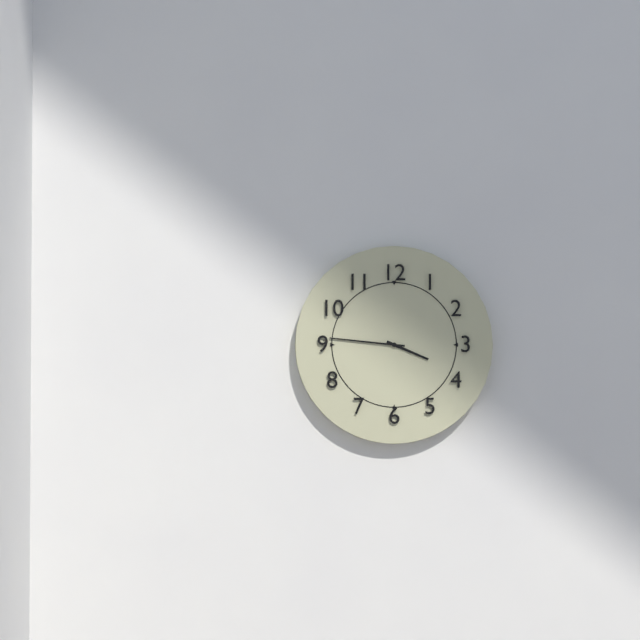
**3:46**
